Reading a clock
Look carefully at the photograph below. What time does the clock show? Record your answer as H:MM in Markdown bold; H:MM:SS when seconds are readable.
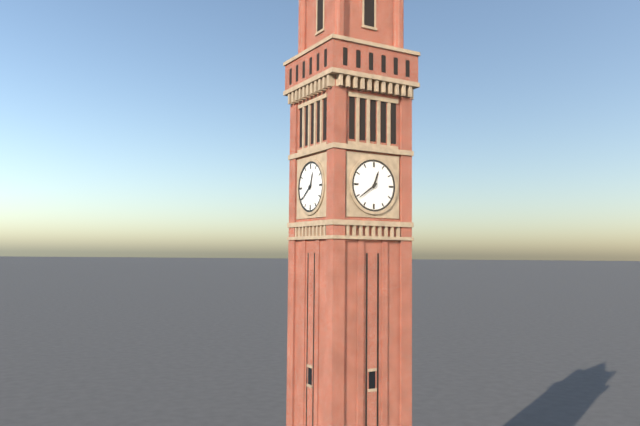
**12:39**
